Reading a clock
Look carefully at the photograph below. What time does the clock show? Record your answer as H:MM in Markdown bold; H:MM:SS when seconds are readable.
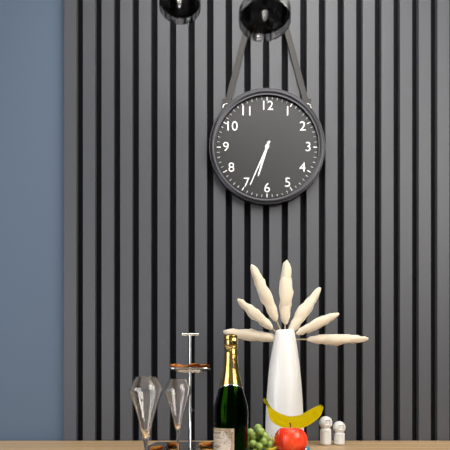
**6:34**
